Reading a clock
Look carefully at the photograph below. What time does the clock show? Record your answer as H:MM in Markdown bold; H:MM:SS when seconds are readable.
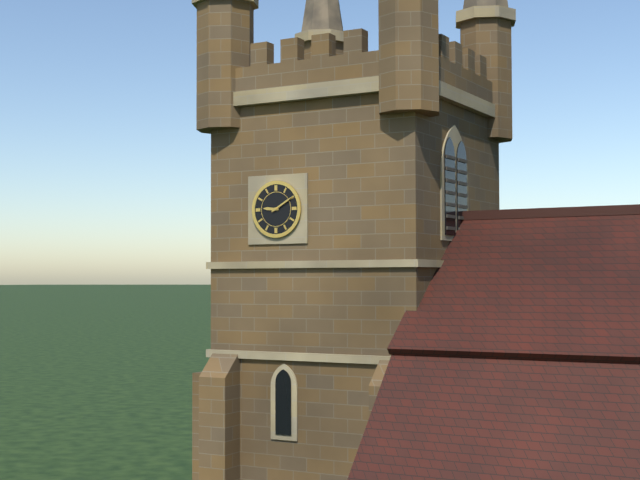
**9:10**
